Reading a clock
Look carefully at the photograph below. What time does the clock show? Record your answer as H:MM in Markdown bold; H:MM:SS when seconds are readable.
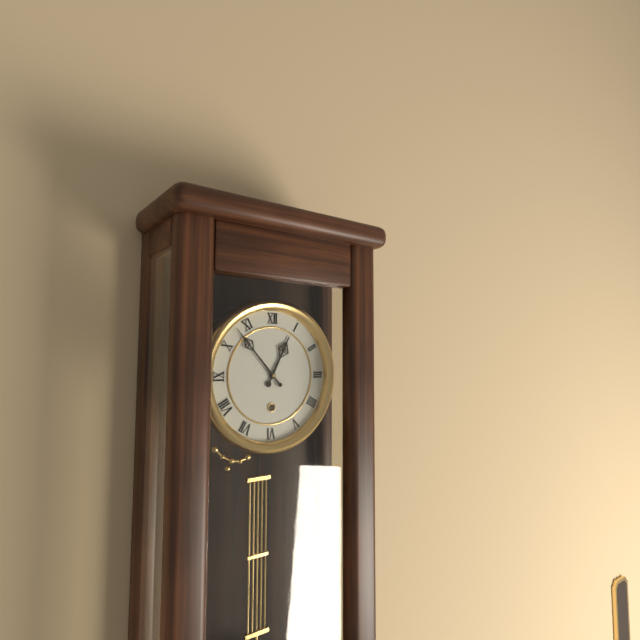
**12:53**
